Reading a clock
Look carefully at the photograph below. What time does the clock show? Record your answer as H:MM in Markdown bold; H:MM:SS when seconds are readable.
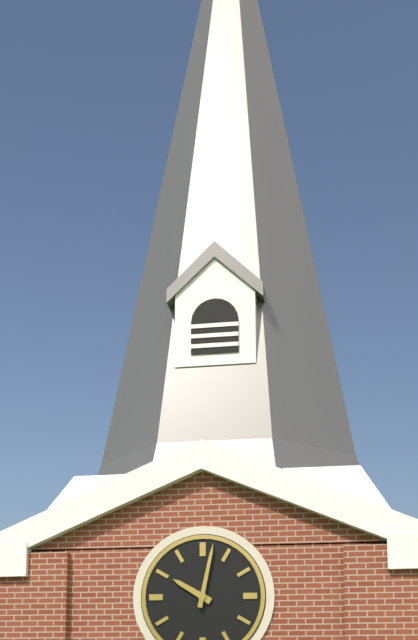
**10:02**
